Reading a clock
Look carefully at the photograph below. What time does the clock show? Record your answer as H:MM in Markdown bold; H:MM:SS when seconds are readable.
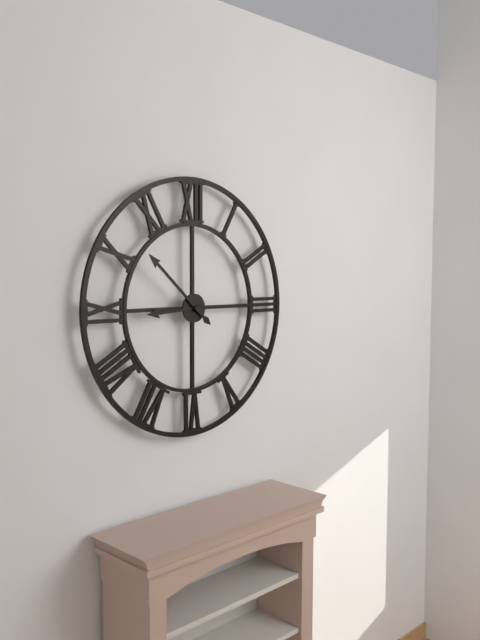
**8:52**
